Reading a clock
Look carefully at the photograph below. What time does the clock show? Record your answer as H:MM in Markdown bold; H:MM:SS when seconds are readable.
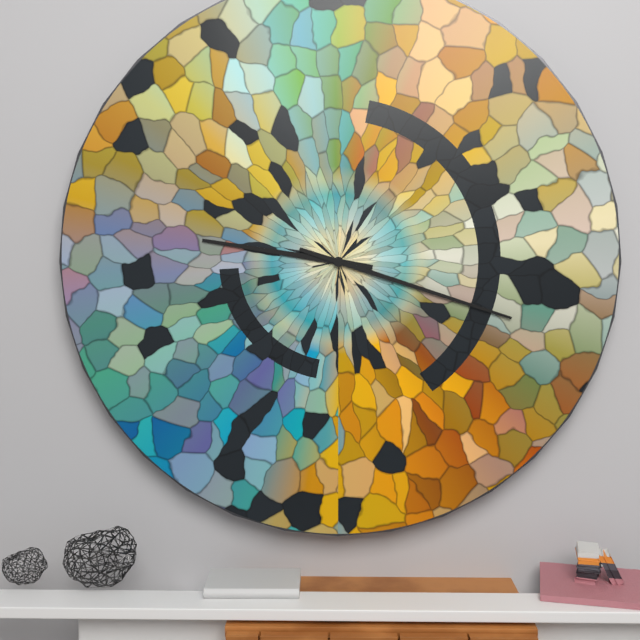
**9:18**
